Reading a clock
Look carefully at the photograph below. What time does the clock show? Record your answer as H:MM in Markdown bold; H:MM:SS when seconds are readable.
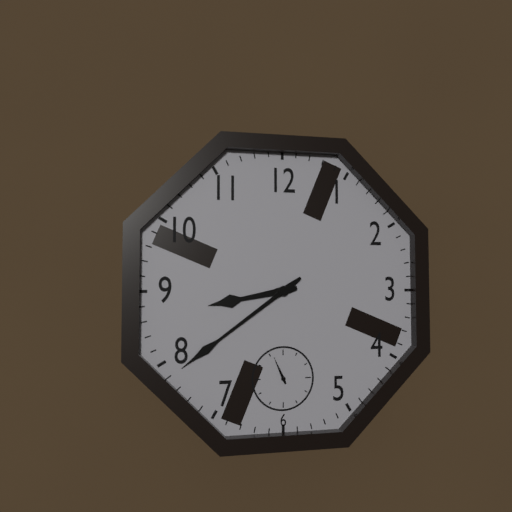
**8:39**
